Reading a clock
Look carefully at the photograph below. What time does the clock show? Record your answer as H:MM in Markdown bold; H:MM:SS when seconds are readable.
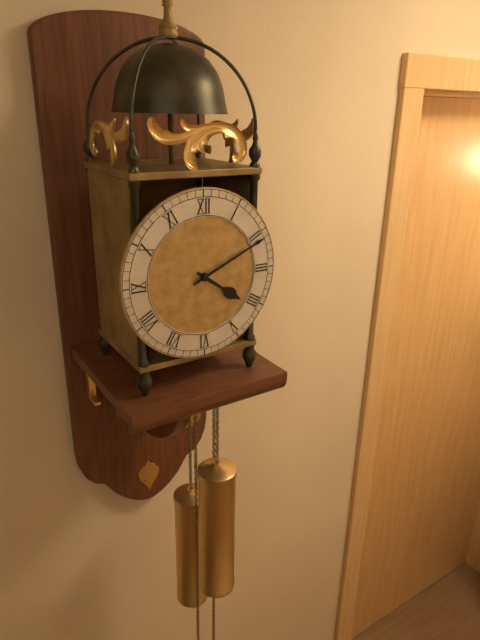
**4:11**
